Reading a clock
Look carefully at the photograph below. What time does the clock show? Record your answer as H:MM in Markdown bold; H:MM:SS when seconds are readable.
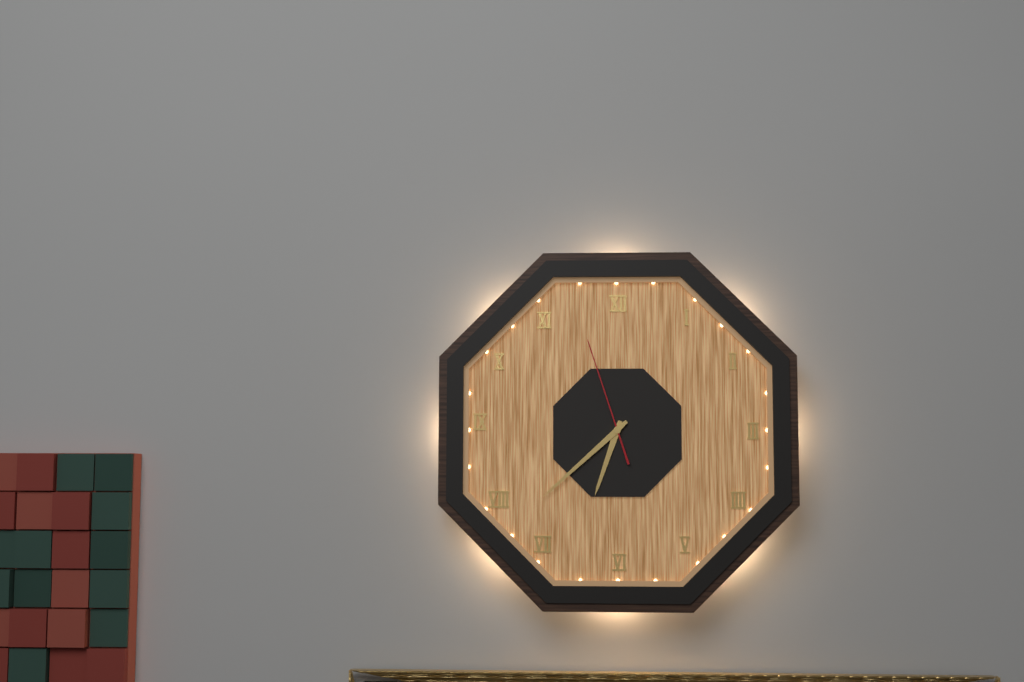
**6:38:57**
